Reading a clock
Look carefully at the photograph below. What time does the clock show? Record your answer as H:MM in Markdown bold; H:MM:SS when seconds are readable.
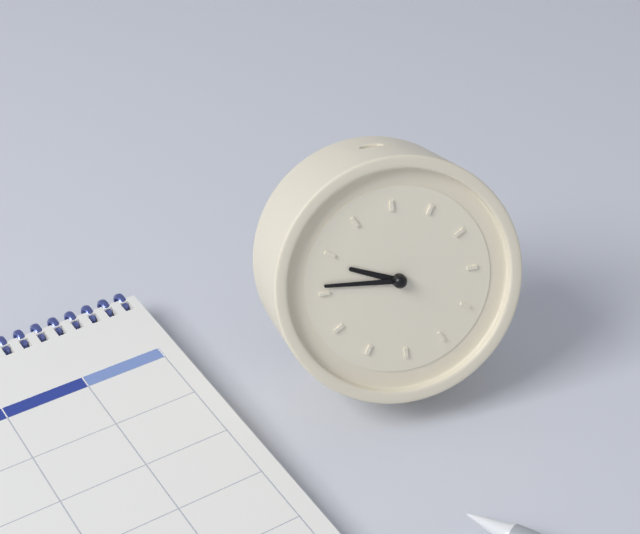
**9:46**
